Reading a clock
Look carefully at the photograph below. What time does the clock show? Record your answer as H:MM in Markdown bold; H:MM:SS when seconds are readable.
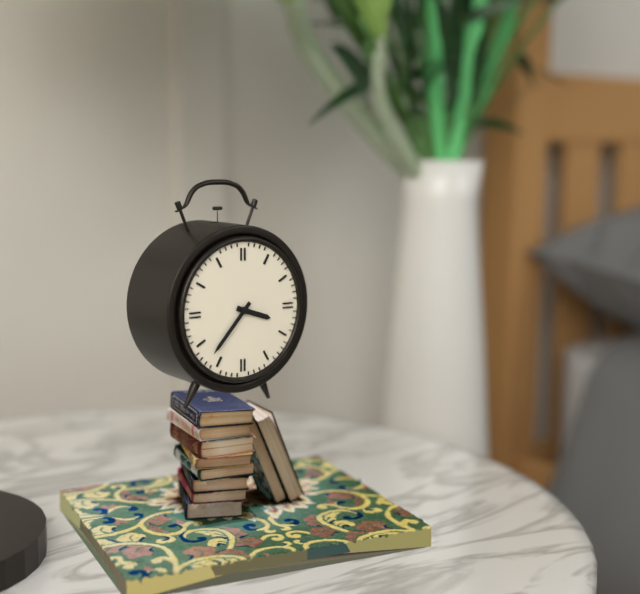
**3:37**
